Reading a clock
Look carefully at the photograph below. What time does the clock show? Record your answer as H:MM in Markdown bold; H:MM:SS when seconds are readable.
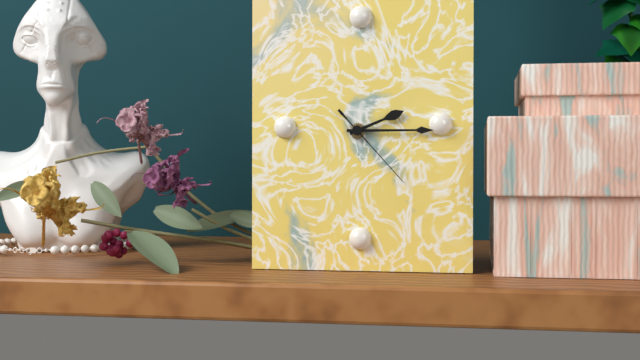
**2:15:23**
